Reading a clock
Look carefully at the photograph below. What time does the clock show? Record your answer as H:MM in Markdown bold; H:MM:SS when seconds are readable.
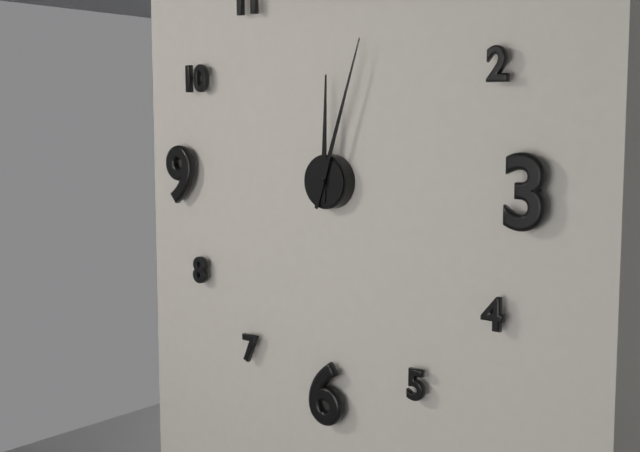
**12:03**
